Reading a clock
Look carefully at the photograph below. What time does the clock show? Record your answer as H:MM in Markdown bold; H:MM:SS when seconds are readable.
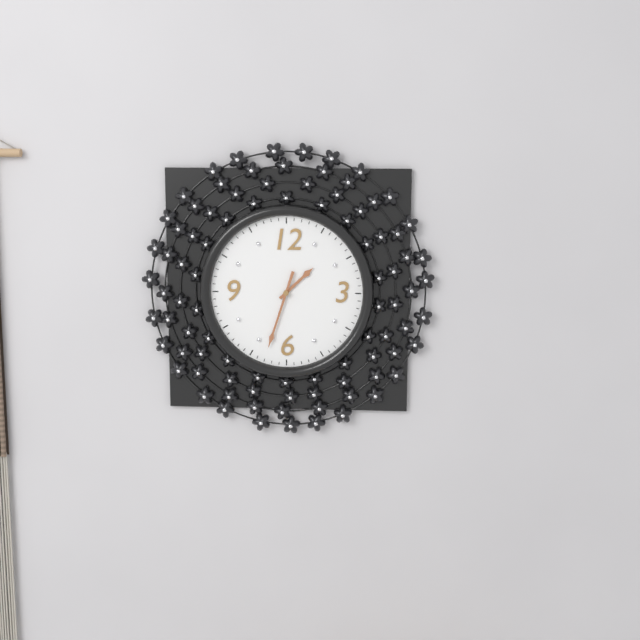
**1:33**
